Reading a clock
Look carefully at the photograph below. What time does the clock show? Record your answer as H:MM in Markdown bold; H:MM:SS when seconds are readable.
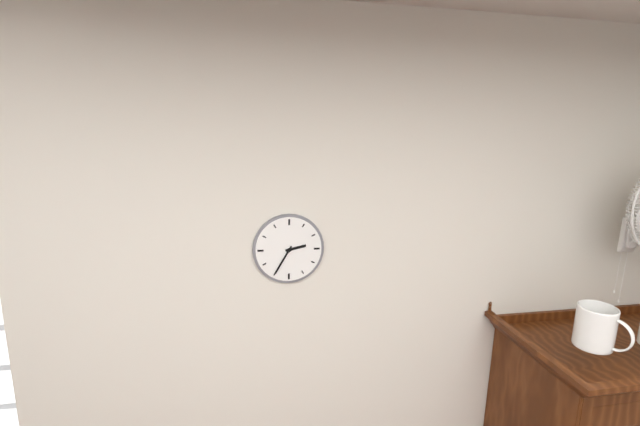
**2:35**
